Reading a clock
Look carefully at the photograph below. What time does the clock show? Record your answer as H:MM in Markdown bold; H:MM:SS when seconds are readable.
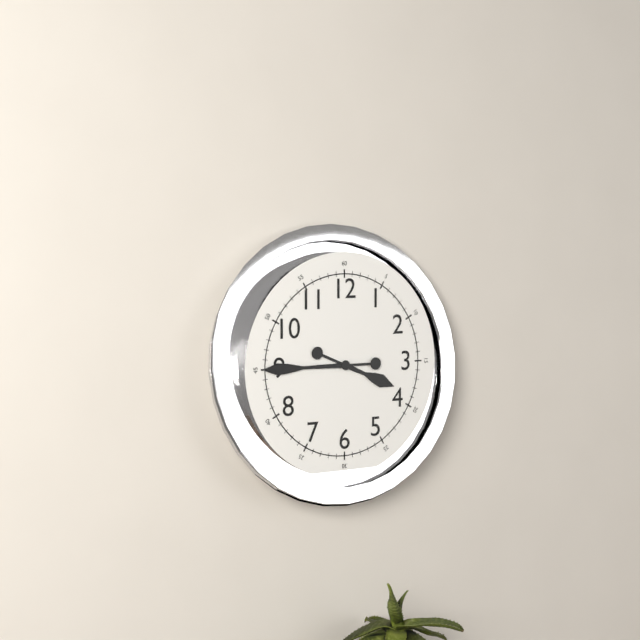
**3:45**
